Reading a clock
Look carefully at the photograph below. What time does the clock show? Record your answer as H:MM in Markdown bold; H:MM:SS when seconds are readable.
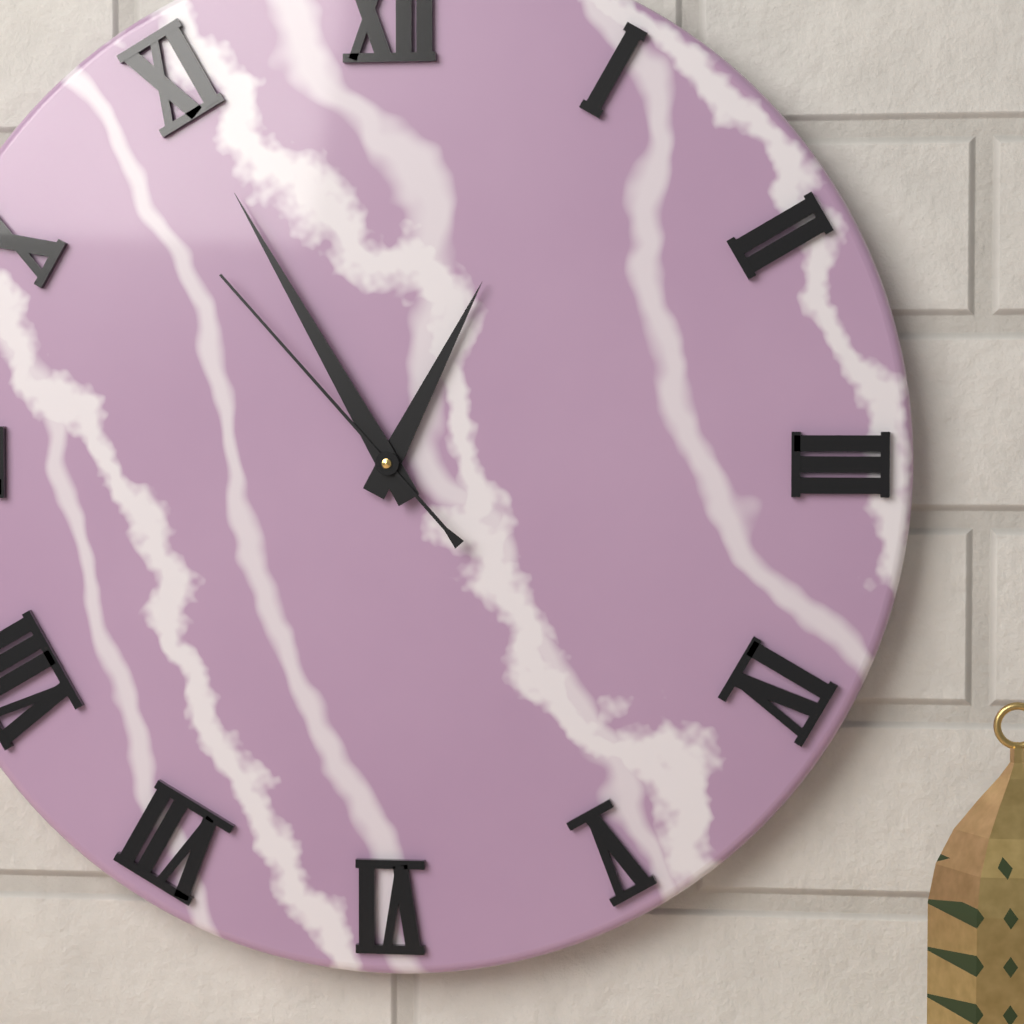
**12:55:53**
